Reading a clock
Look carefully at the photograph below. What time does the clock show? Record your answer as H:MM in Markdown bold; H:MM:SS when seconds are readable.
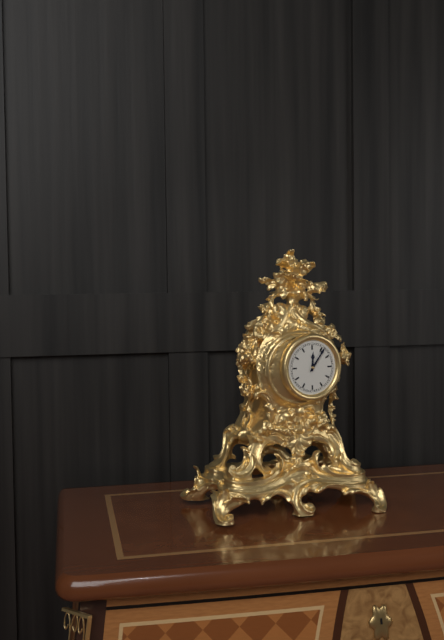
**12:06**
